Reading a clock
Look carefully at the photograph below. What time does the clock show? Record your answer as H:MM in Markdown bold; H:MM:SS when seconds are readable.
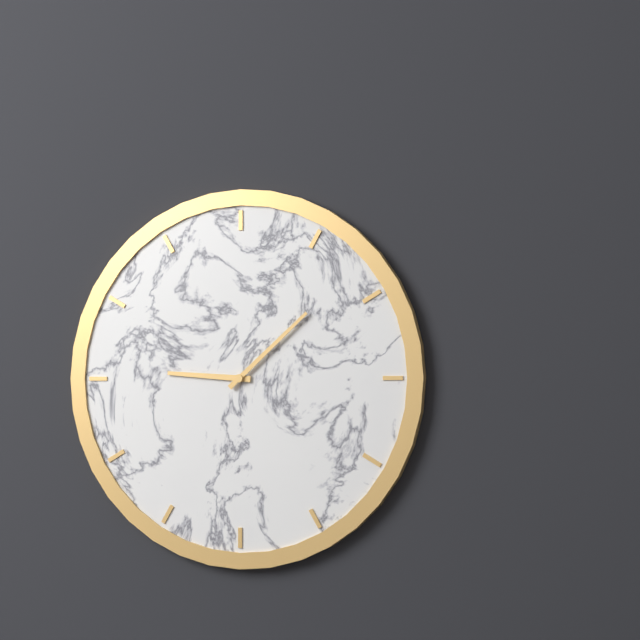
**9:08**
